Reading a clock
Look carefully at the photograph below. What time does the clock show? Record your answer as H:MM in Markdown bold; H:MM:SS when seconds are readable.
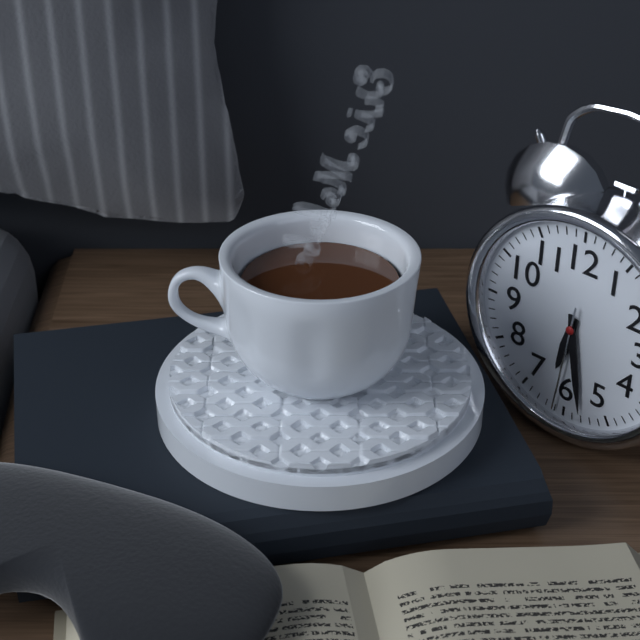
**6:28:31**
